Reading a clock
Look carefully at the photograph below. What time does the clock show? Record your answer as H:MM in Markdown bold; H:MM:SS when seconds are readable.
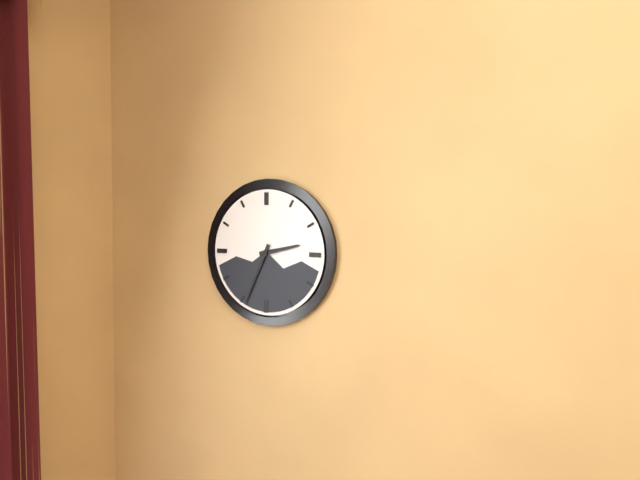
**2:34**
